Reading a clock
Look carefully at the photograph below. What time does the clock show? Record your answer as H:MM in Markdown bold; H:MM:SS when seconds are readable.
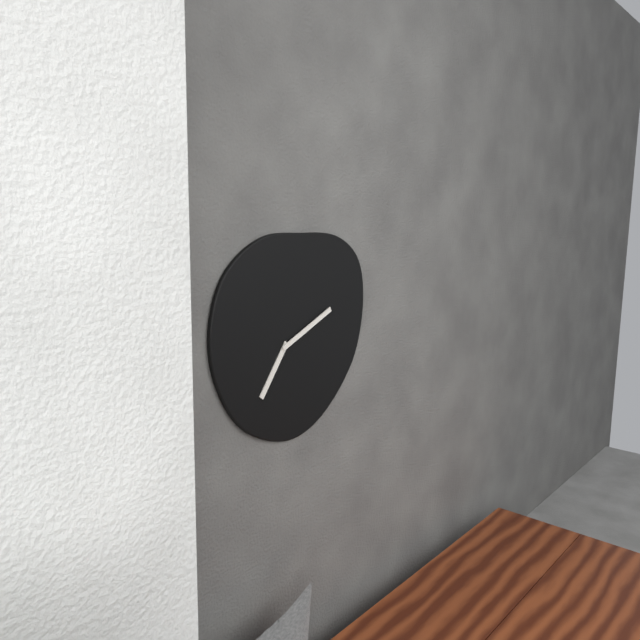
**7:11**
